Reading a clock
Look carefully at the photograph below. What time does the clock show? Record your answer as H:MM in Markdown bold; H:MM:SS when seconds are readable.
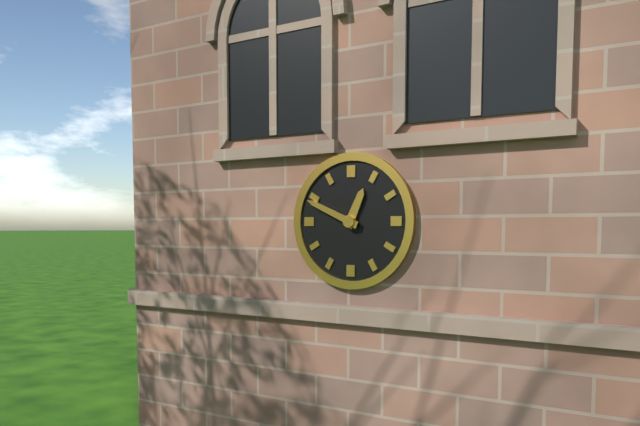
**12:49**
